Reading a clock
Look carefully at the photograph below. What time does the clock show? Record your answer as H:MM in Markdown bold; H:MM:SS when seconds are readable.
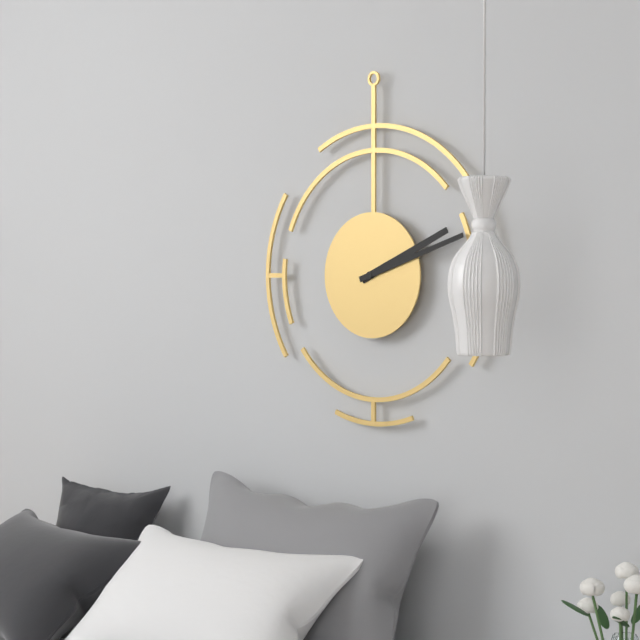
**2:12**
